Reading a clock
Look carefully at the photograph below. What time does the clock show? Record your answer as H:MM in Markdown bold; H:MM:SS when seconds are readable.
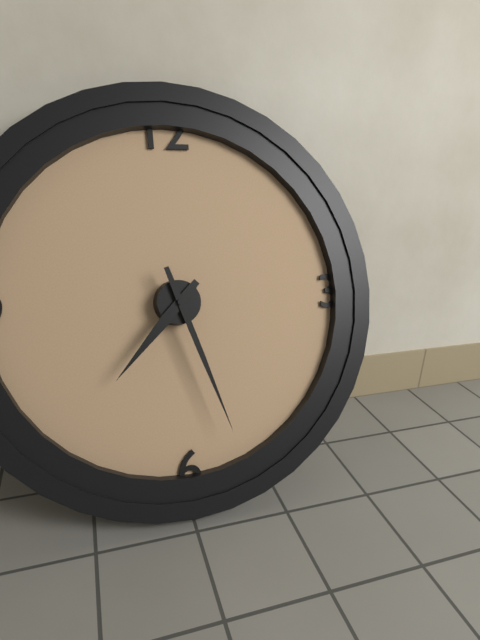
**7:27**
